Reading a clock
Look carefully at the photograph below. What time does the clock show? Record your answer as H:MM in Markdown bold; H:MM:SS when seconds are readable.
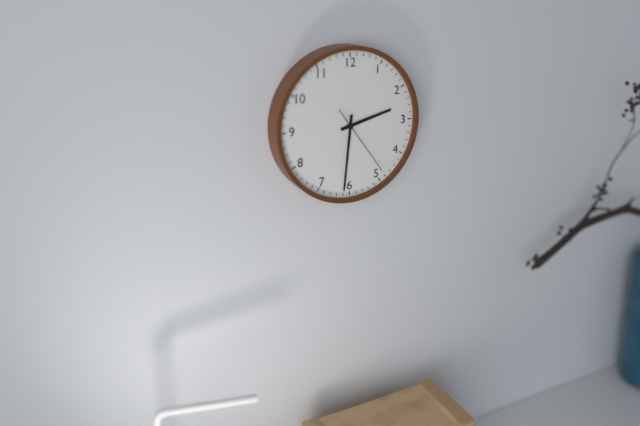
**2:31:24**
